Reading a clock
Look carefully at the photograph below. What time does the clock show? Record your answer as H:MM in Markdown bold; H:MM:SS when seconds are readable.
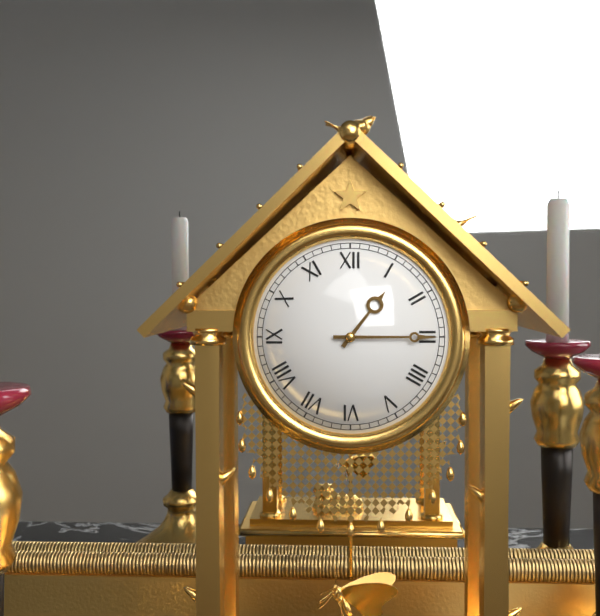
**1:15**
